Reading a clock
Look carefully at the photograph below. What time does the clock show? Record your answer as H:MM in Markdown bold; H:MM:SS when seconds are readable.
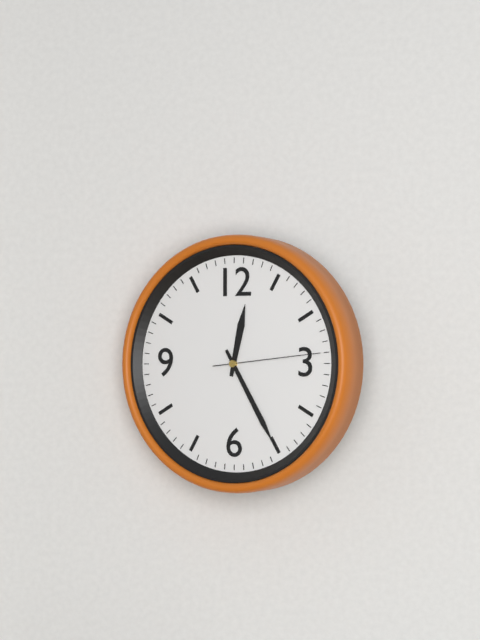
**12:25:14**
